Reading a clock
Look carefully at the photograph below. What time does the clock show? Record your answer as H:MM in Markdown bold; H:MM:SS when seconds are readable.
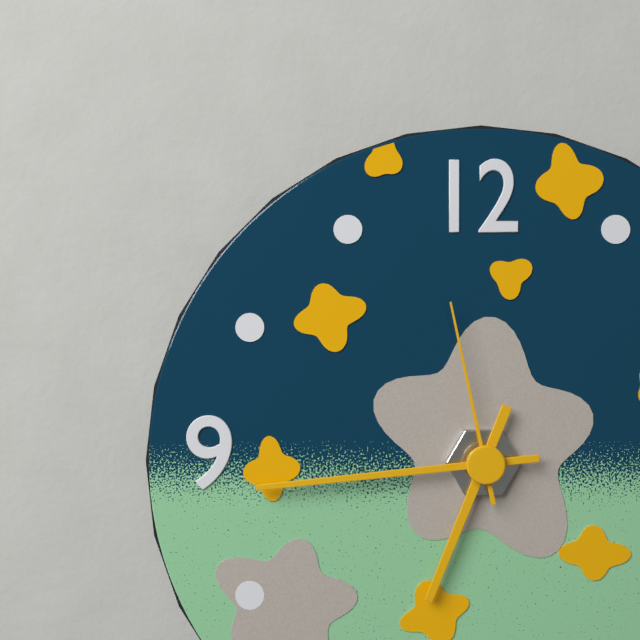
**6:44:58**
